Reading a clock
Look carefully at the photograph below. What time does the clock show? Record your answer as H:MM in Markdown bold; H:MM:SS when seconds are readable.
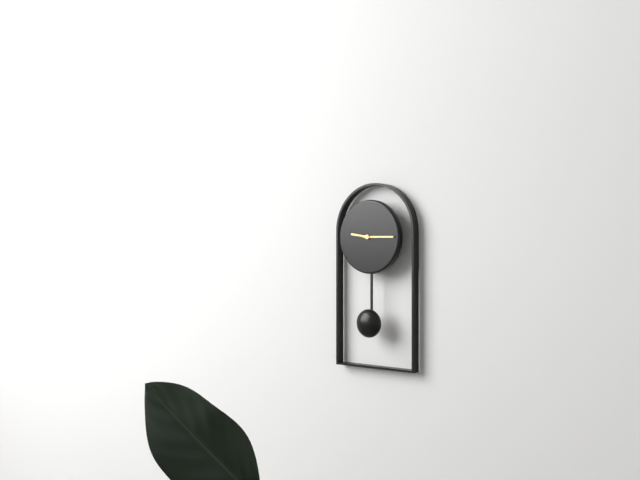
**9:15**
